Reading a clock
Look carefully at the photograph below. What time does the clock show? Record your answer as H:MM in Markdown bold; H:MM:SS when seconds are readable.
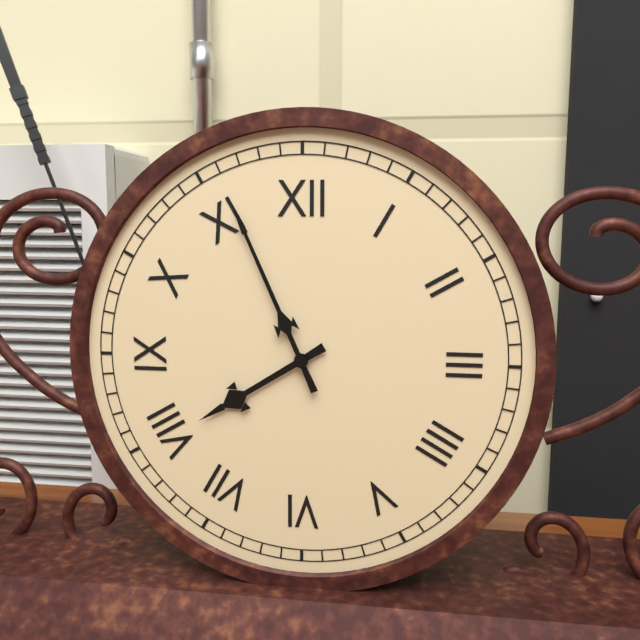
**7:56**
